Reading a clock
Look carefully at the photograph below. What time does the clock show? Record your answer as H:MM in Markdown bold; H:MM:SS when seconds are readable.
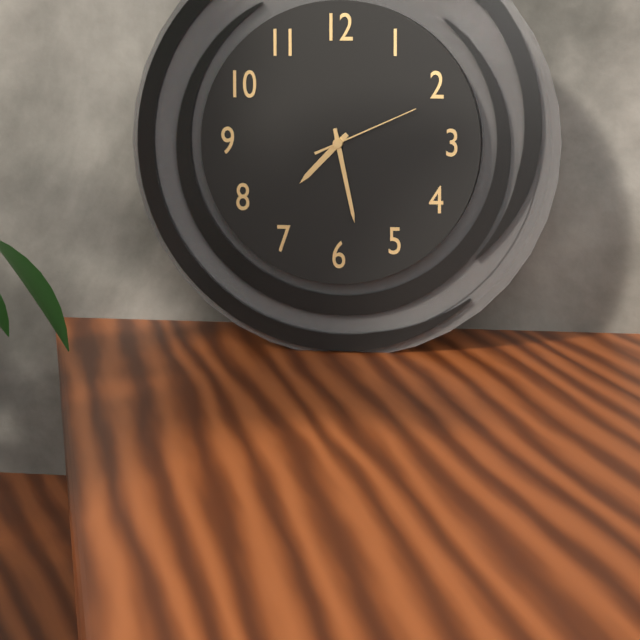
**7:28:11**
